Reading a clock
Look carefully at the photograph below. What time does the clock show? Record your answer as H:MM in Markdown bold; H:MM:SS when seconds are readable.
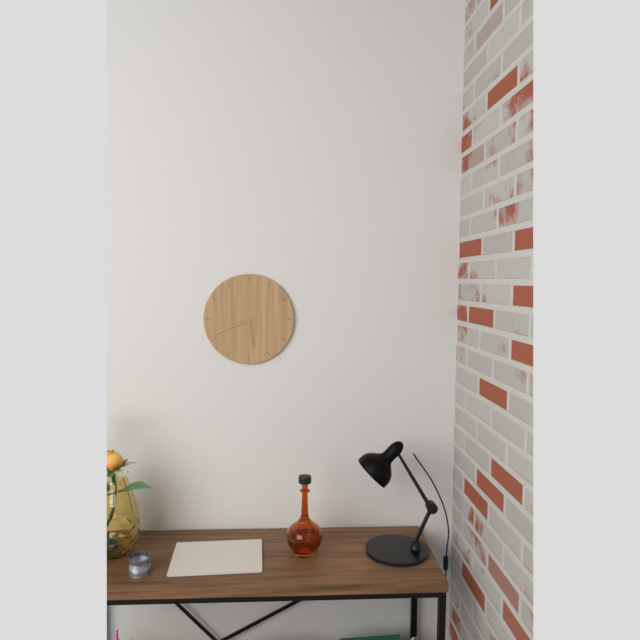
**5:41**
